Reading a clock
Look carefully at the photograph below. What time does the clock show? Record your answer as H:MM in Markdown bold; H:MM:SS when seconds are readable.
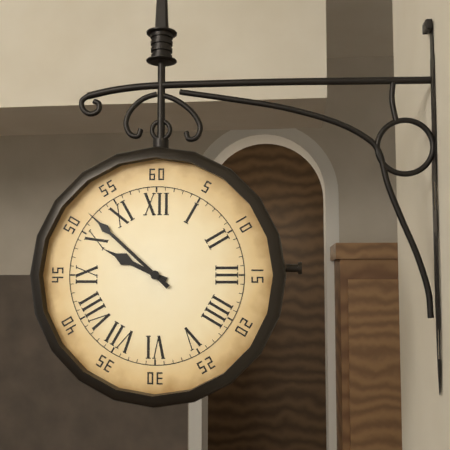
**9:52**
